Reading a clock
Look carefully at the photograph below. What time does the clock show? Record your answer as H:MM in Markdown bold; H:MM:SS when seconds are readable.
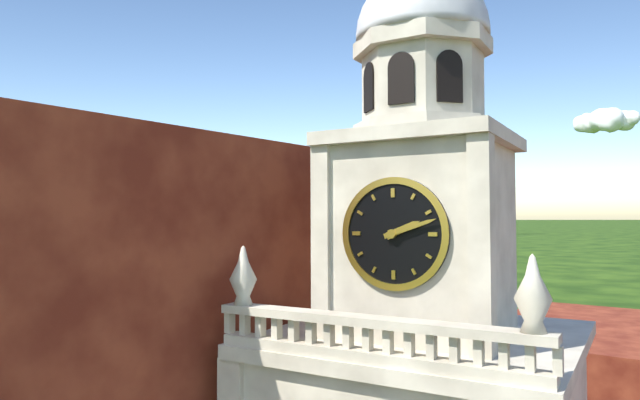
**2:12**
